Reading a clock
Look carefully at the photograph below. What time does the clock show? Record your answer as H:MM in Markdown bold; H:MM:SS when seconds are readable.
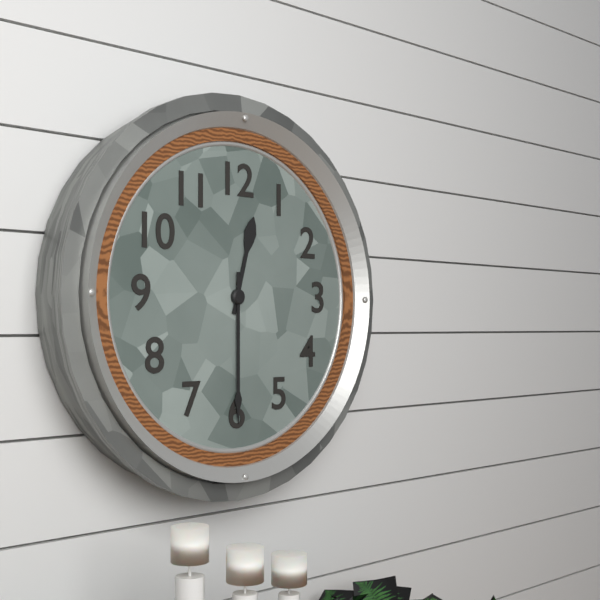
**12:30**
